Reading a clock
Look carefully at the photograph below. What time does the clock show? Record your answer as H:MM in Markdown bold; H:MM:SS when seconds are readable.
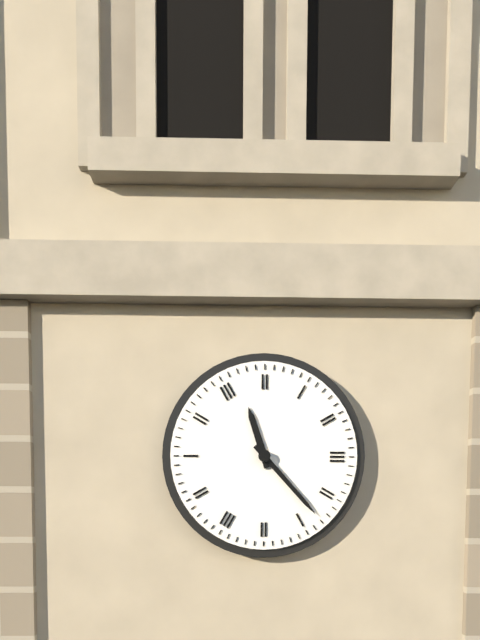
**11:23**
